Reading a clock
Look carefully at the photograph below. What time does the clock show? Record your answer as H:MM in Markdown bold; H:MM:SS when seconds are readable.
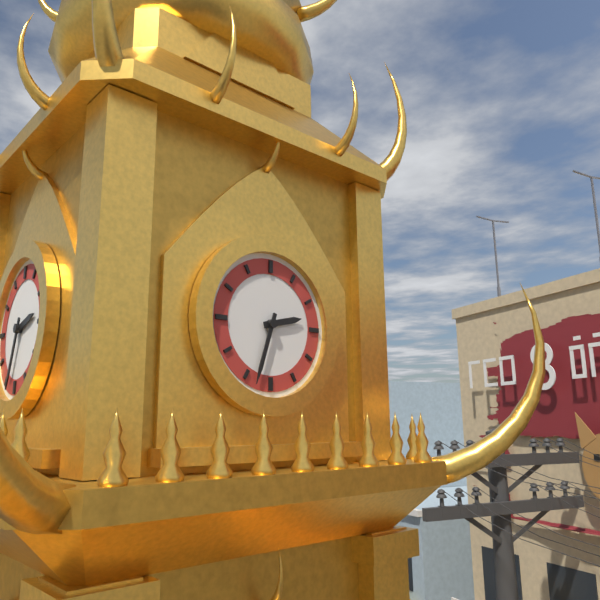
**2:33**
